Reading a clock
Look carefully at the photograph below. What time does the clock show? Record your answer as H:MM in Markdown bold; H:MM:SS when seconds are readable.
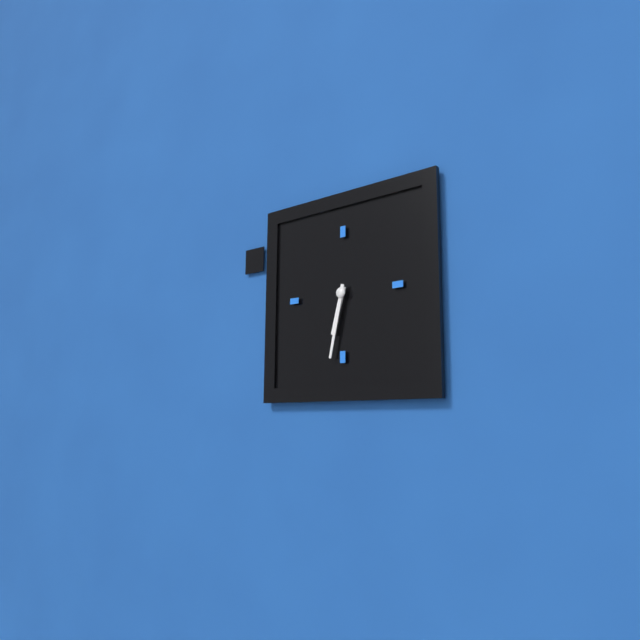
**6:32**
